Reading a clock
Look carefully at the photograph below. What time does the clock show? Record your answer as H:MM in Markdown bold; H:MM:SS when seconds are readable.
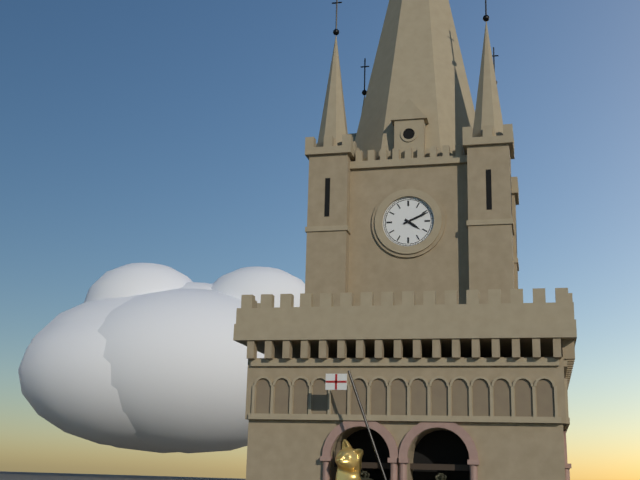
**4:11**
